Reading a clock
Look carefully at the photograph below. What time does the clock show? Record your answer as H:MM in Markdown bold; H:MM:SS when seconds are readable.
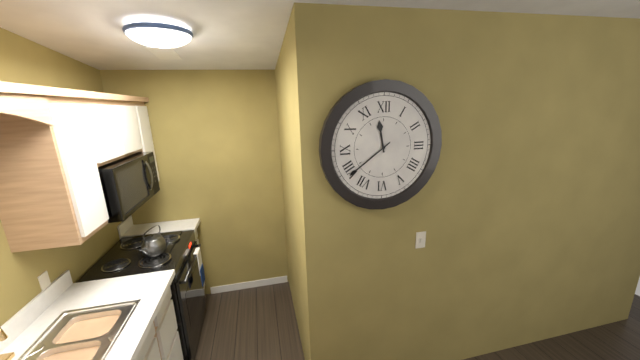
**11:39**
